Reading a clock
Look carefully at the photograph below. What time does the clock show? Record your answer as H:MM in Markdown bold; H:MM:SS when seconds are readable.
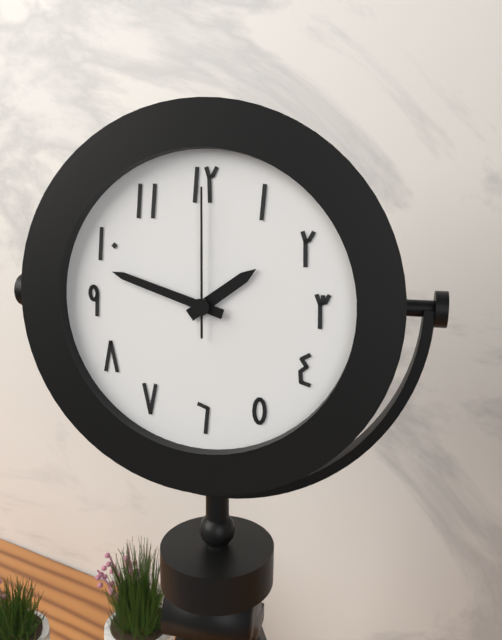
**1:48:00**
